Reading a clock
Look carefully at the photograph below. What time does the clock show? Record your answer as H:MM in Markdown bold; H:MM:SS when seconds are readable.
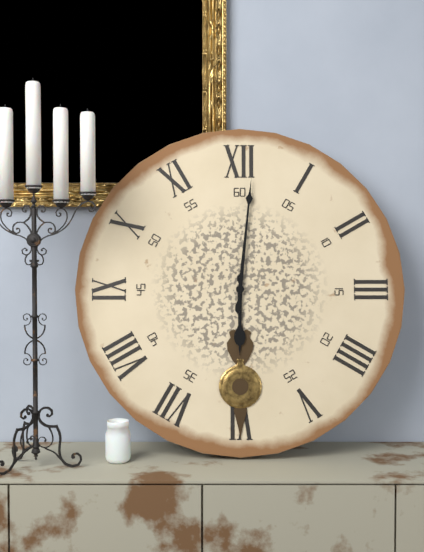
**6:01**
